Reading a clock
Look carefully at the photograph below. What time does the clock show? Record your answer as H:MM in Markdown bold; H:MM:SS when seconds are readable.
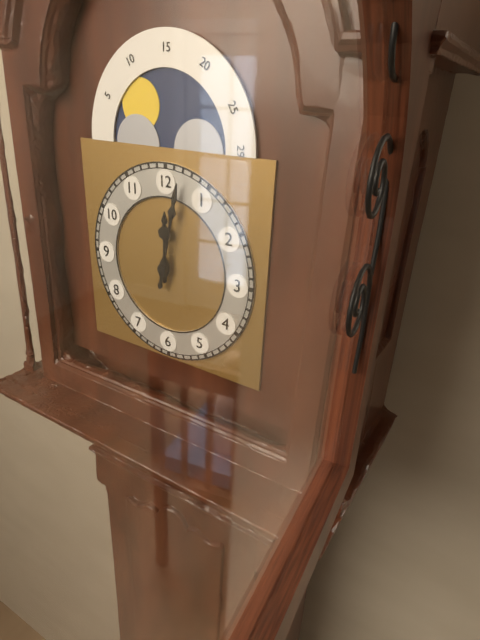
**12:02**
